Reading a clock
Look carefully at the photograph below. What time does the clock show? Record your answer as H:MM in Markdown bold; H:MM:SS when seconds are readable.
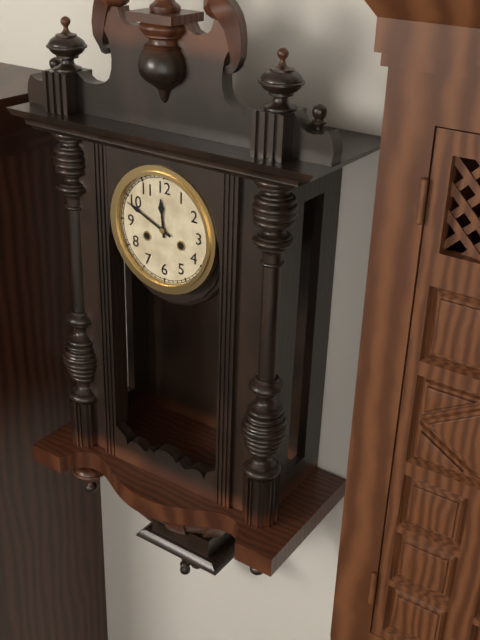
**11:49**
